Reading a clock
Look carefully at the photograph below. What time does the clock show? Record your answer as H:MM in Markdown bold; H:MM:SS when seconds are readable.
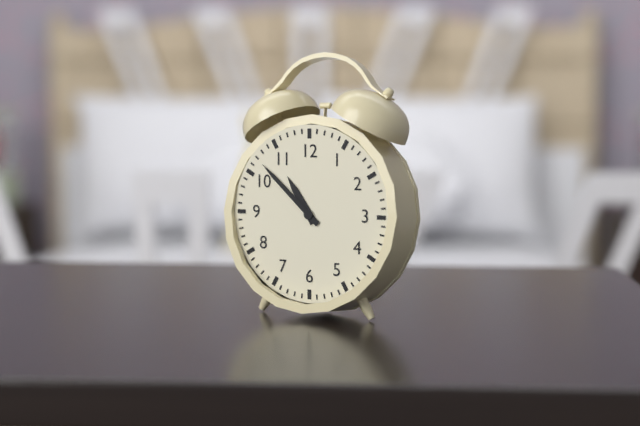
**10:52**
